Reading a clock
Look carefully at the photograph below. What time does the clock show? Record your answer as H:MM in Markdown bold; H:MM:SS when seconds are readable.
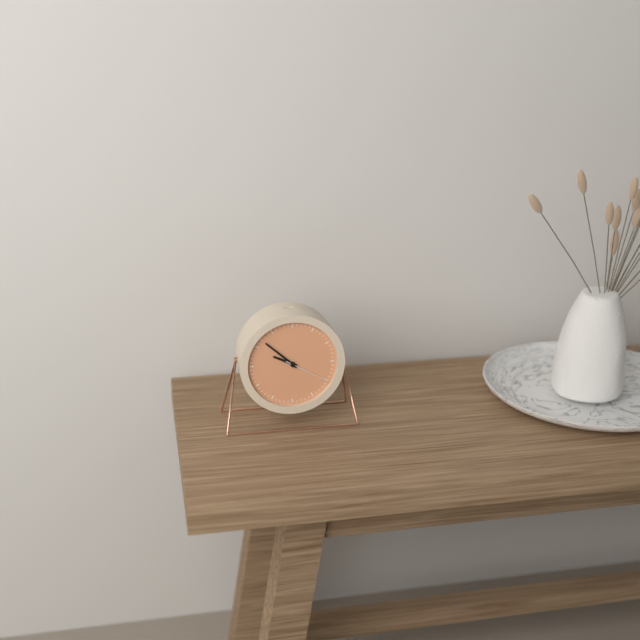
**9:52**
